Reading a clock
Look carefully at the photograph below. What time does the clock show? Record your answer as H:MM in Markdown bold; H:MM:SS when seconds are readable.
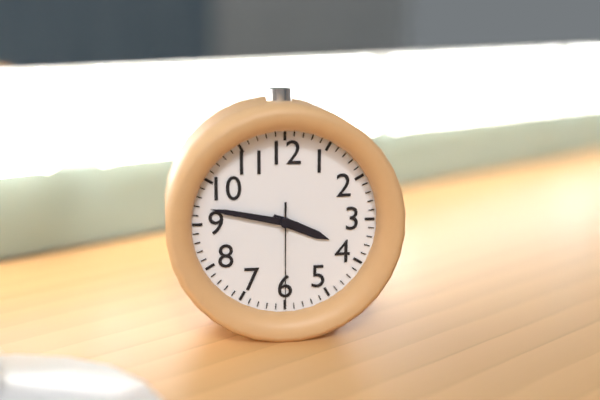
**3:47:30**
